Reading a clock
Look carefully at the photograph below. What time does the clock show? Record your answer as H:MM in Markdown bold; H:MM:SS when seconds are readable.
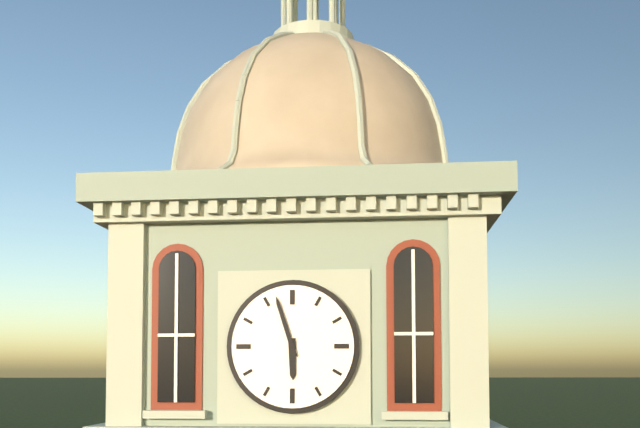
**5:57**
